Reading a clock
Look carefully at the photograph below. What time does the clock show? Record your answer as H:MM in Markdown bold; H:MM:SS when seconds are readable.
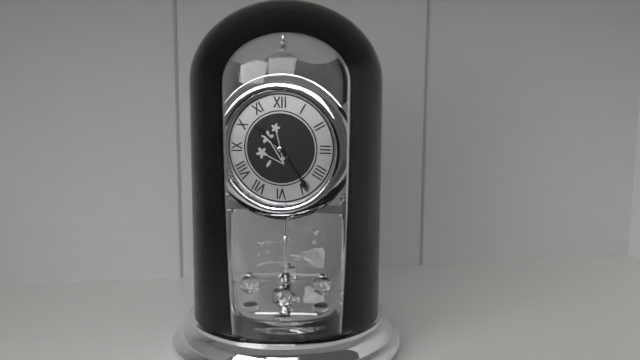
**10:24**
